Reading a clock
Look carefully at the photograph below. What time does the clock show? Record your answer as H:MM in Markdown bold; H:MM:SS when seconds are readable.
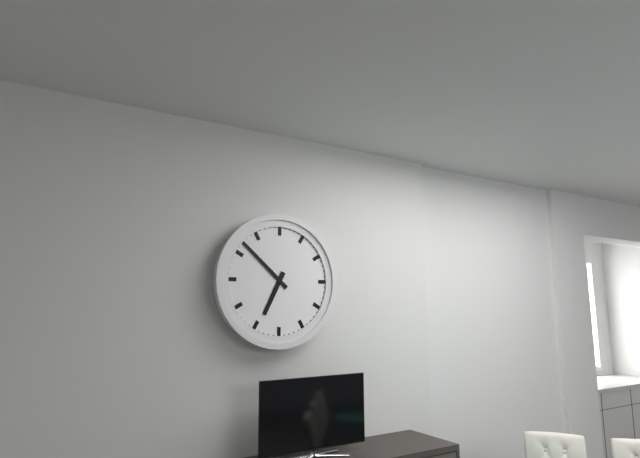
**6:52**
